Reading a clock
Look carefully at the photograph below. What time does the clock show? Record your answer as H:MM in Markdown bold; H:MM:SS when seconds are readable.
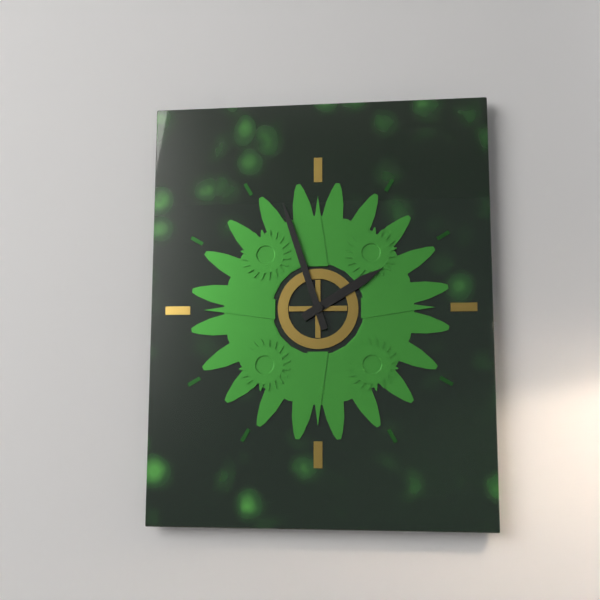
**1:57**
